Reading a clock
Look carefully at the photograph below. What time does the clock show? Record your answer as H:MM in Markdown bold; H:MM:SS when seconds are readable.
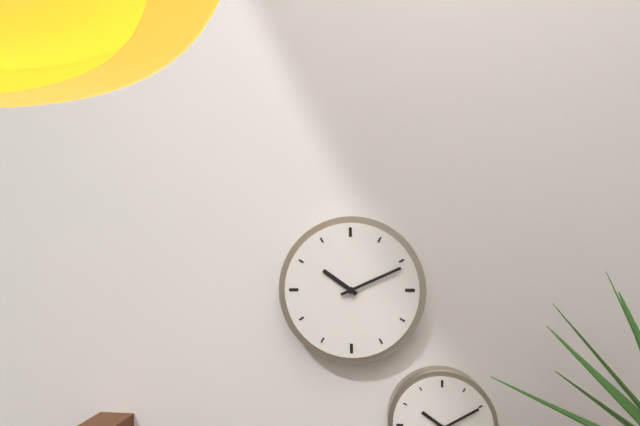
**10:11**
